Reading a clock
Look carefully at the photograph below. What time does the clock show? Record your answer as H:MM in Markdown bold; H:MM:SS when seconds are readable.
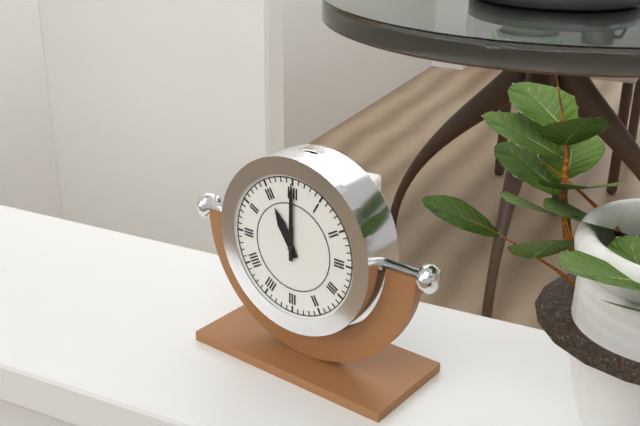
**11:00**
